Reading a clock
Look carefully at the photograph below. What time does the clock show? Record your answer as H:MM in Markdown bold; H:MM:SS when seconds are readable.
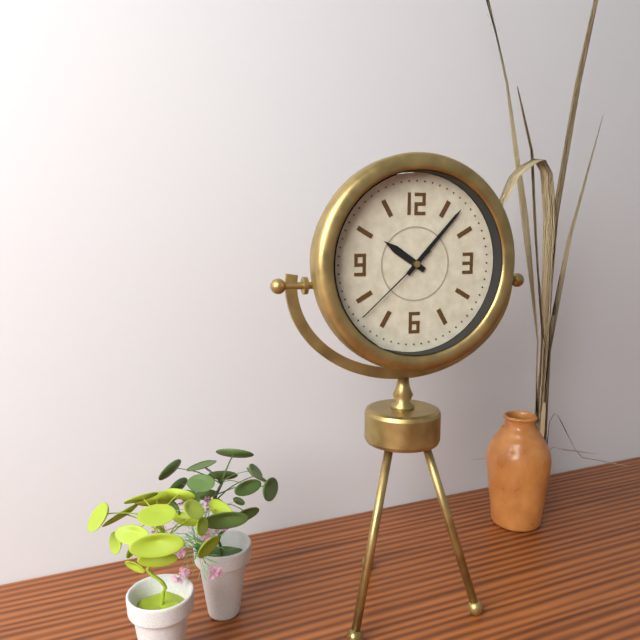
**10:07:38**
